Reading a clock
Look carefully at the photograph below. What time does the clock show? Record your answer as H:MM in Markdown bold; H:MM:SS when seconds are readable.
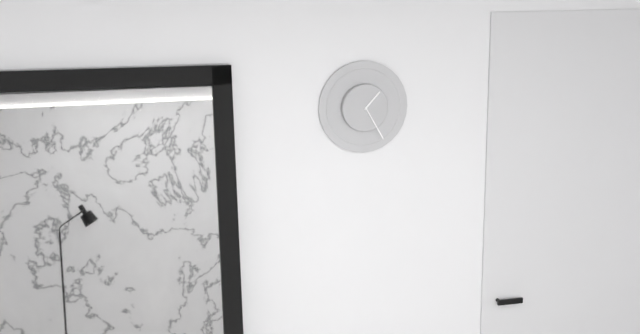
**1:25**
